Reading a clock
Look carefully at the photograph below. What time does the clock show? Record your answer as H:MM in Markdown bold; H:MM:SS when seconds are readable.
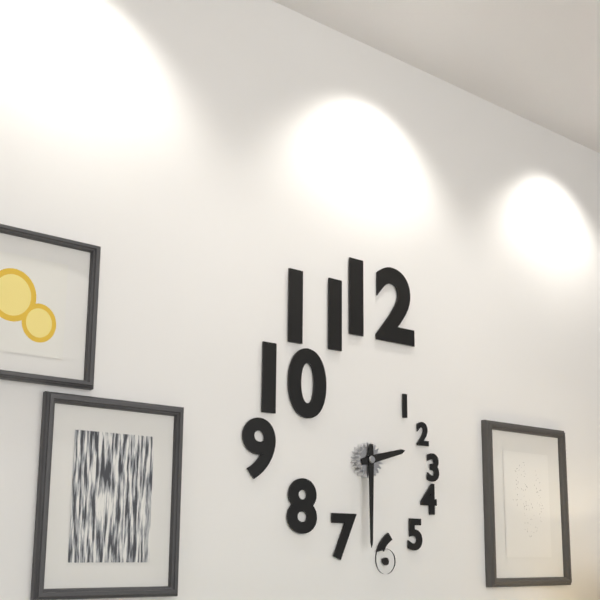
**2:30**
